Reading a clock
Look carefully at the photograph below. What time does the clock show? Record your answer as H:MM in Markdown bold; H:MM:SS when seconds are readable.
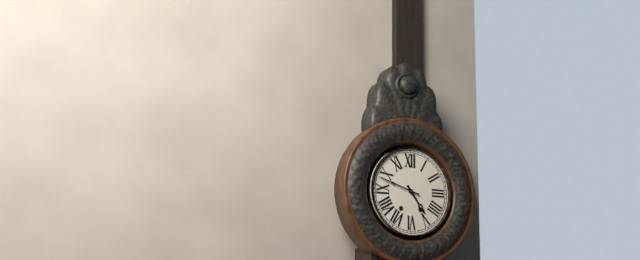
**4:48**
